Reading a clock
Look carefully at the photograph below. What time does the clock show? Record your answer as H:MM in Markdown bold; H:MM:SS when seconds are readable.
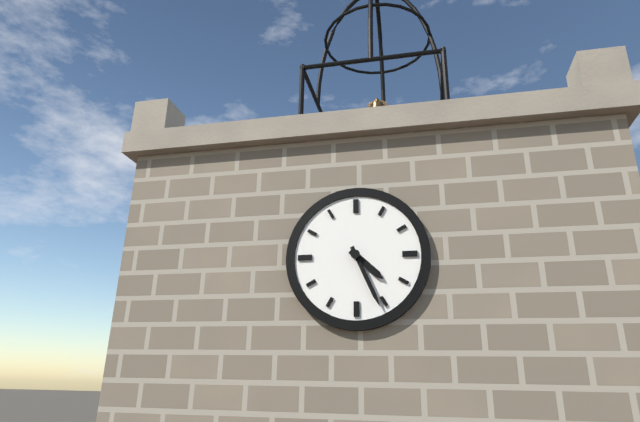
**4:26**
